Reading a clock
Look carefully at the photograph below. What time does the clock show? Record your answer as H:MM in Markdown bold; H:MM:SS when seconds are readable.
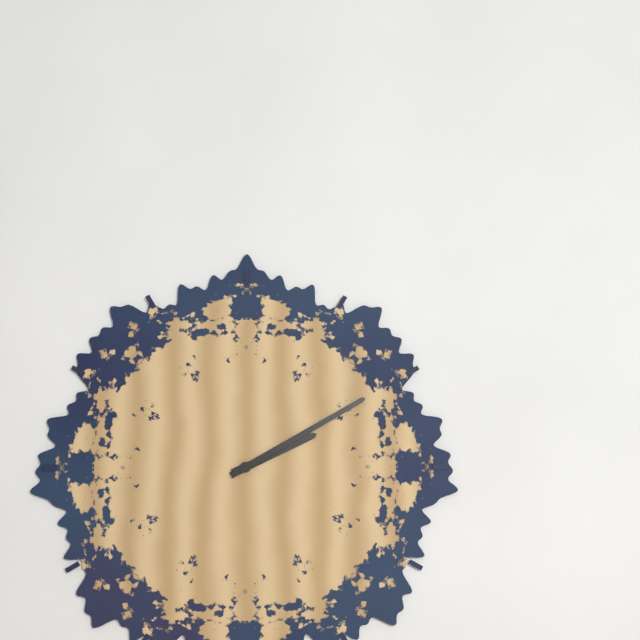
**2:10**
